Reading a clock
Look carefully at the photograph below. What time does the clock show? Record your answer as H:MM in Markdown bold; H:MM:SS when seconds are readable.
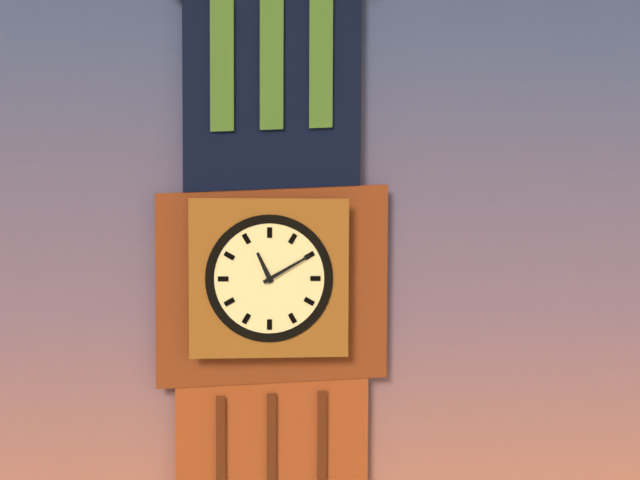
**11:10**
